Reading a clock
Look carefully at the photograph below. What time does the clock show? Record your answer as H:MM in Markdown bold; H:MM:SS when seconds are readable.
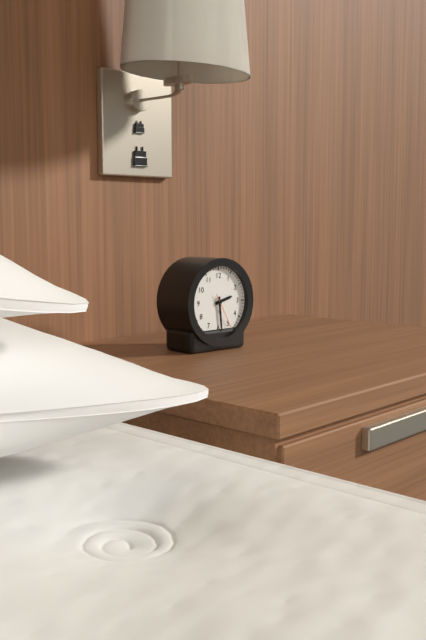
**2:29**
